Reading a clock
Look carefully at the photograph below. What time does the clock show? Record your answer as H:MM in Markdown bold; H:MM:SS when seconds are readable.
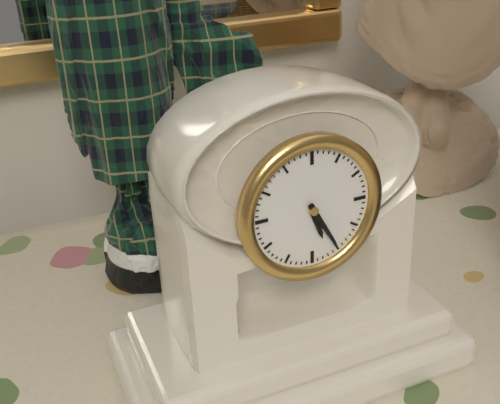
**5:25**
